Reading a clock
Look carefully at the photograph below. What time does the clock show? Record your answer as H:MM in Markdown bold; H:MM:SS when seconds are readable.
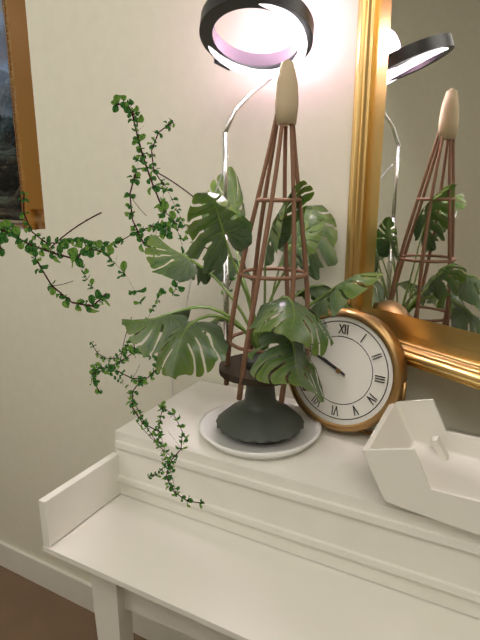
**9:49**
